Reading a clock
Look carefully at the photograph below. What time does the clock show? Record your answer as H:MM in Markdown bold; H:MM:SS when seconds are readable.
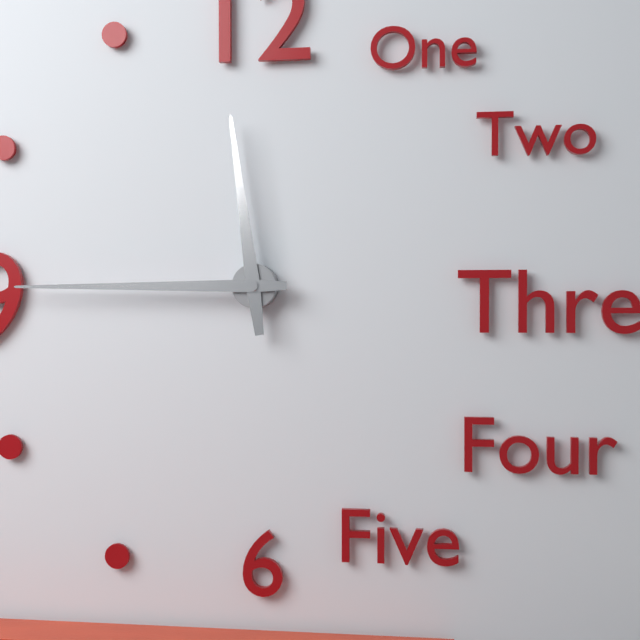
**11:45**
